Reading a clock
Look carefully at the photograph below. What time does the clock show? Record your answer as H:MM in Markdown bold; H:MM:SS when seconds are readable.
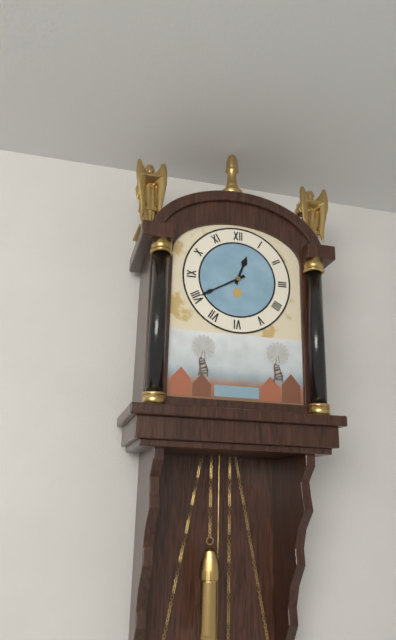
**12:40**
